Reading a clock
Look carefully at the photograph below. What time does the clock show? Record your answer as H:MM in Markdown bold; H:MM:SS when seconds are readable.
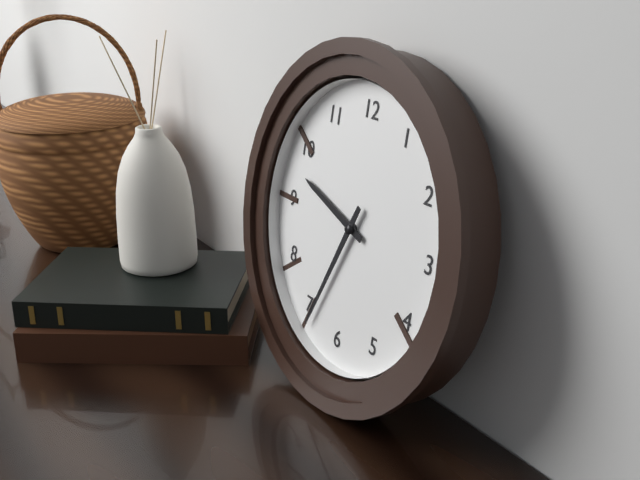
**9:34**
